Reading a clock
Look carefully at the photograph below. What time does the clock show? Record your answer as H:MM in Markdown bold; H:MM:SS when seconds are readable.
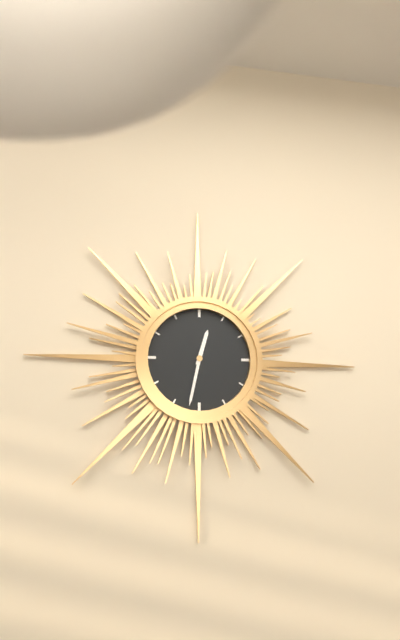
**12:32**
